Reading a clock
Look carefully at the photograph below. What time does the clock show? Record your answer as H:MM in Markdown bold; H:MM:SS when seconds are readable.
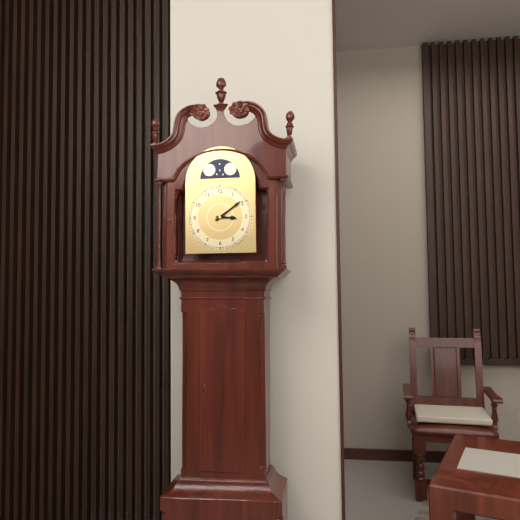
**3:09**
